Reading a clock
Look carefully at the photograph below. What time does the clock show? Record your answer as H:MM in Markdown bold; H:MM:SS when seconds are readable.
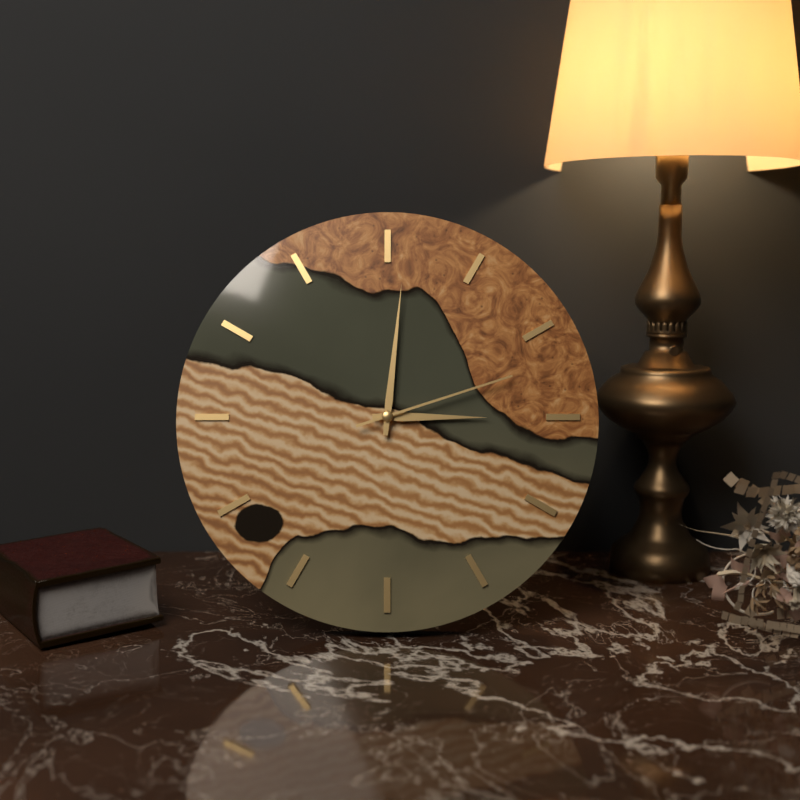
**3:01:12**
